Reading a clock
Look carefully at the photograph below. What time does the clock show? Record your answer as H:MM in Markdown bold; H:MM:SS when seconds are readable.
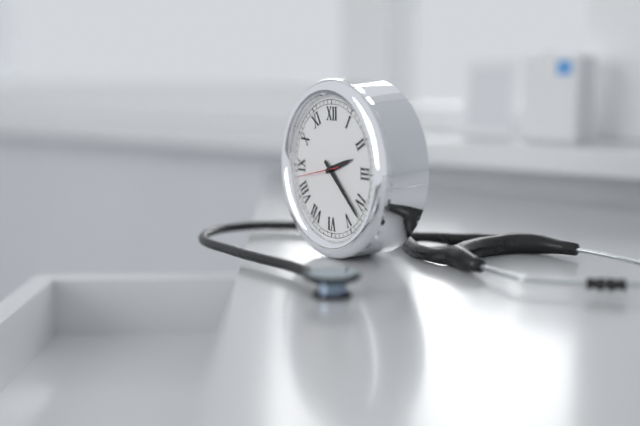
**2:22**
